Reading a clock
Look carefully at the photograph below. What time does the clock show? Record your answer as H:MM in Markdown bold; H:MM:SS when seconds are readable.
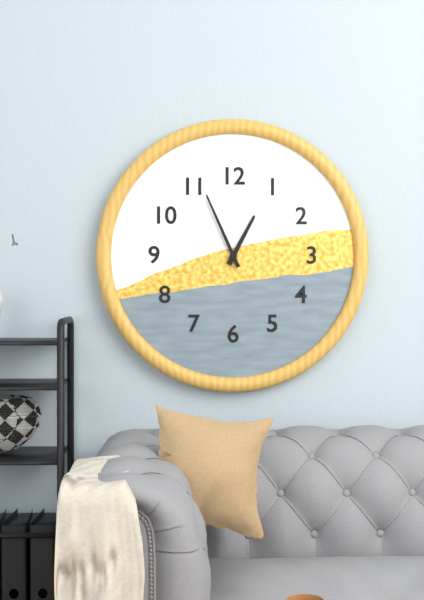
**12:56**
